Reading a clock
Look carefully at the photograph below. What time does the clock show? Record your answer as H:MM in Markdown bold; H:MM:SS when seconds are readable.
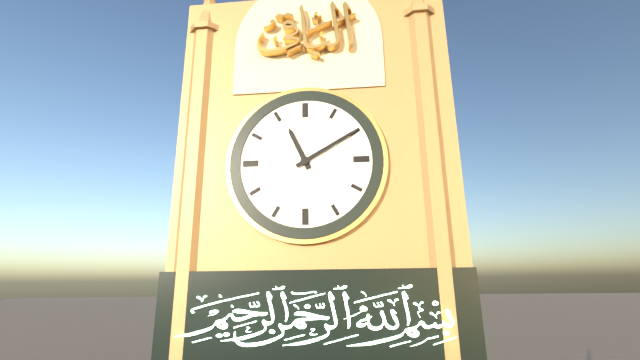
**11:10**
